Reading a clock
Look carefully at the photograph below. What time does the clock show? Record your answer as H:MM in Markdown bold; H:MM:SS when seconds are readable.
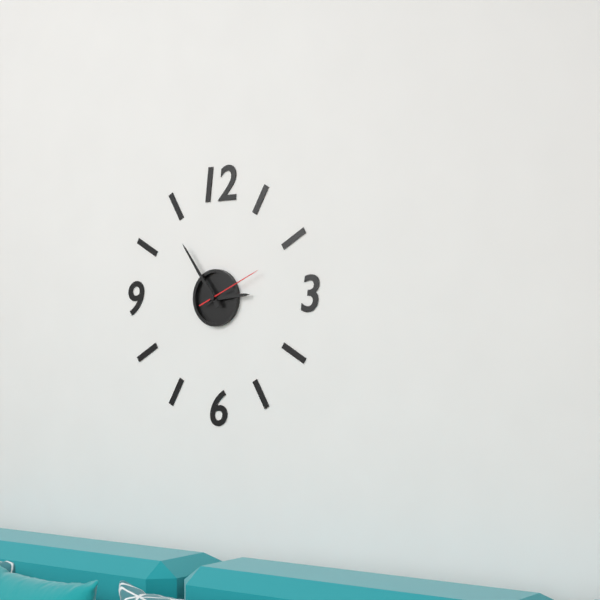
**2:54:11**
